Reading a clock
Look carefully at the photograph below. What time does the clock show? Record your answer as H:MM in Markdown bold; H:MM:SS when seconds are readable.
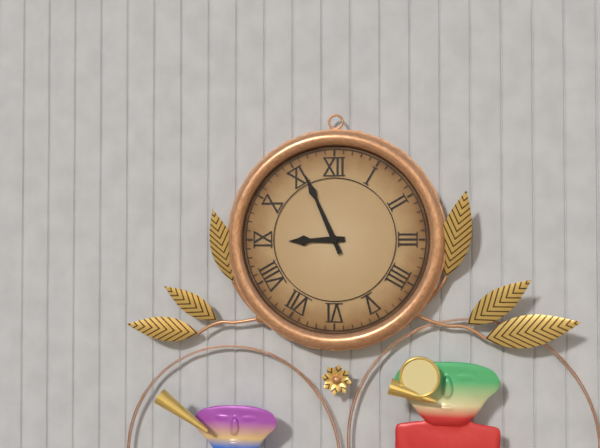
**8:56**
